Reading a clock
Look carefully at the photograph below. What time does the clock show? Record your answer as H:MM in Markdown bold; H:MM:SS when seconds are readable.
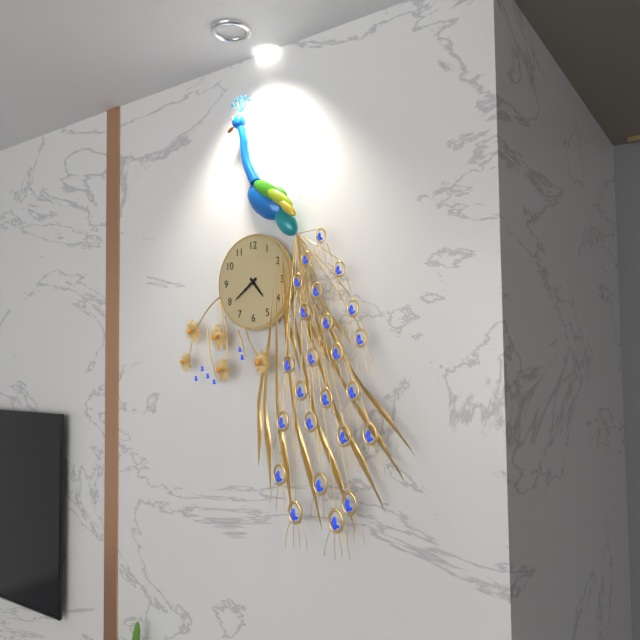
**4:39**
